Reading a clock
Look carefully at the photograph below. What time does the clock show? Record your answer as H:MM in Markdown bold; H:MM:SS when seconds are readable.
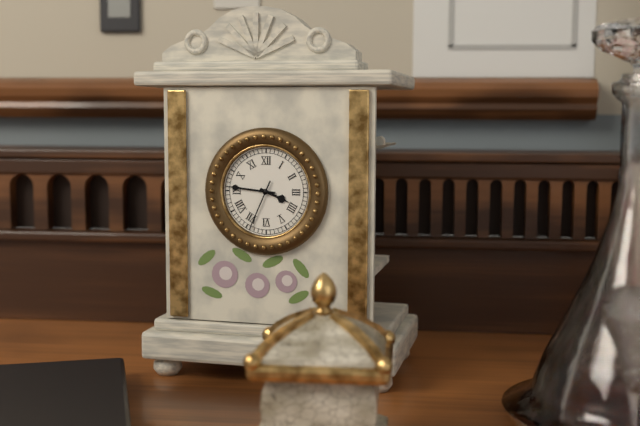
**3:46:34**
